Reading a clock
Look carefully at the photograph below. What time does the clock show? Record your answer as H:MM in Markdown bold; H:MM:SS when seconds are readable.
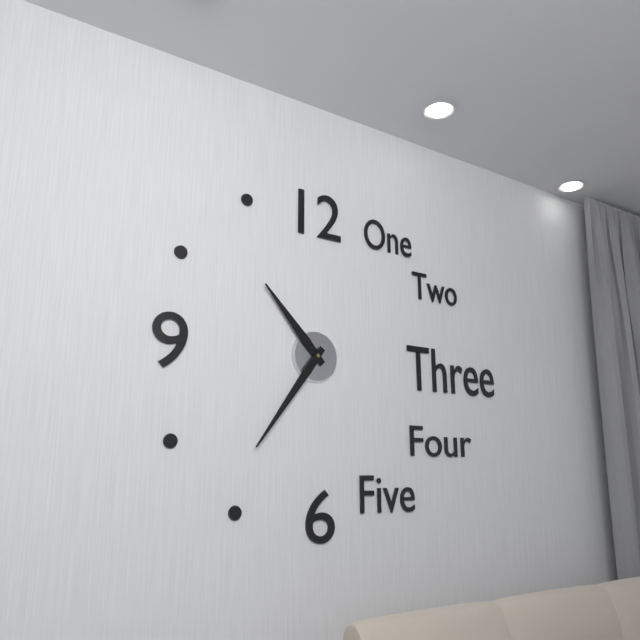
**10:36**
